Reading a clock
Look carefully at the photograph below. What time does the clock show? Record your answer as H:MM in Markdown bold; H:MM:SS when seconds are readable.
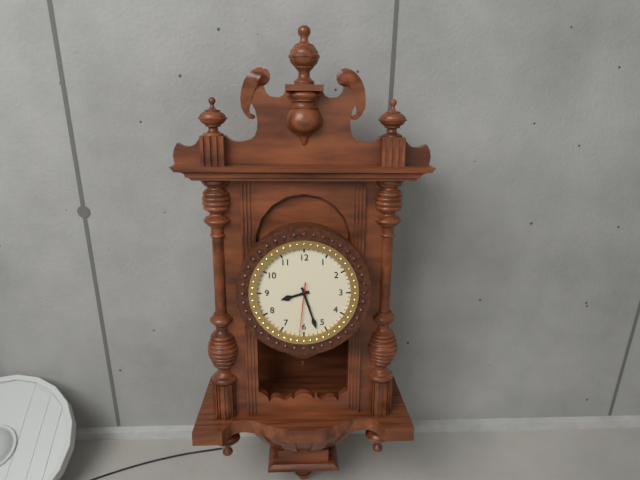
**8:27:31**
